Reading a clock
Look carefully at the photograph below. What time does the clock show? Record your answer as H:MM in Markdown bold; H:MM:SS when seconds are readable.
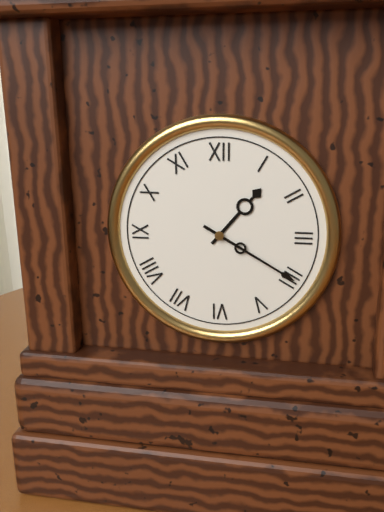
**1:20**
